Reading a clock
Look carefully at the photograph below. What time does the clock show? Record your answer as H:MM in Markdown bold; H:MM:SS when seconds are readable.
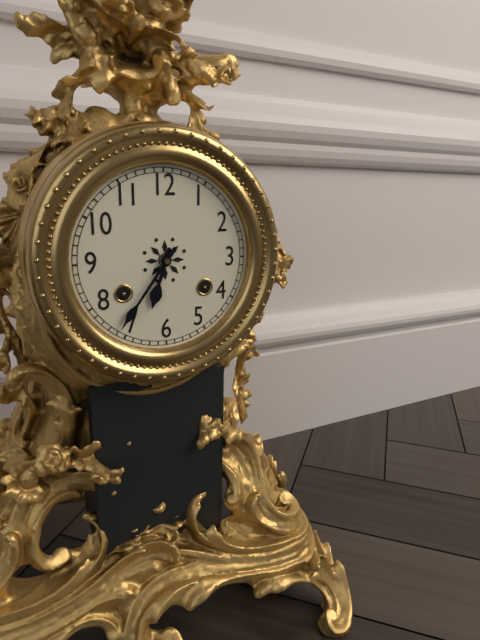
**6:36**
